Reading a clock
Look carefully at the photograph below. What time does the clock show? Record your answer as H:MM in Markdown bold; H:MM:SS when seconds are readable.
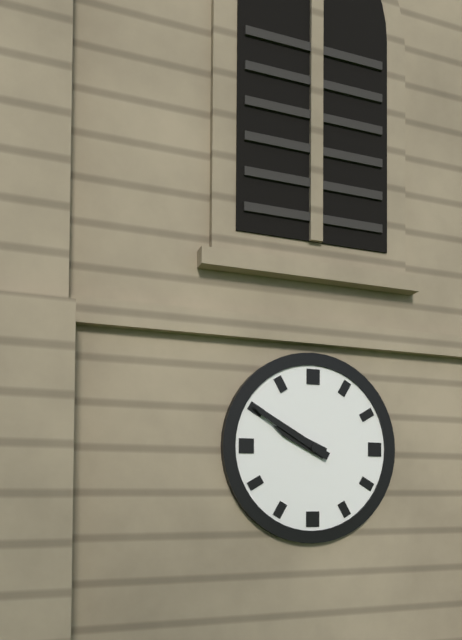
**9:50**
